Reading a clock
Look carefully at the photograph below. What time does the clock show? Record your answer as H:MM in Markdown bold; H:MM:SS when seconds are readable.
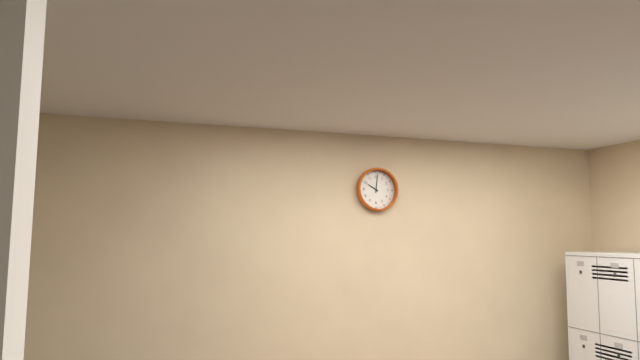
**10:01**
